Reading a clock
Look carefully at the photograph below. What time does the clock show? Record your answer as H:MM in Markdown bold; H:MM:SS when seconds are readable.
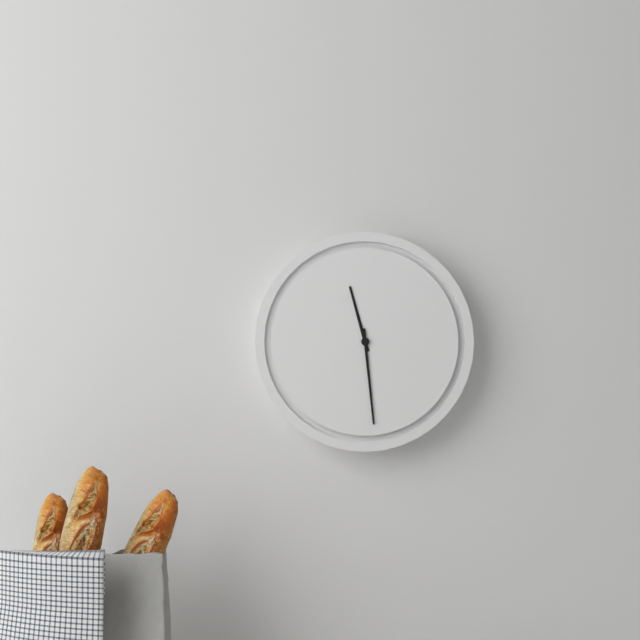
**11:29**
